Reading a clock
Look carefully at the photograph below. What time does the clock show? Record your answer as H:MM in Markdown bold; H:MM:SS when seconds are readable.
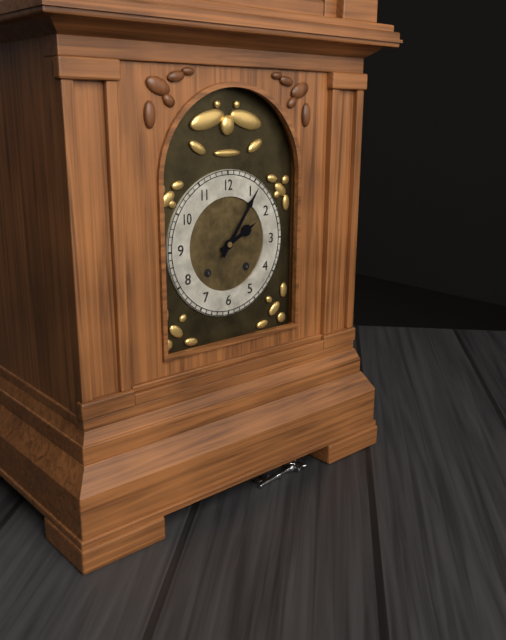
**2:06**
